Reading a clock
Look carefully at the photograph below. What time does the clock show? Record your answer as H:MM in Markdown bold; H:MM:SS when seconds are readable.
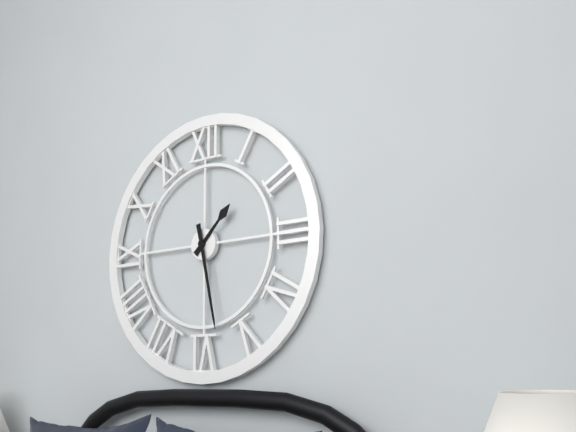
**1:28**
